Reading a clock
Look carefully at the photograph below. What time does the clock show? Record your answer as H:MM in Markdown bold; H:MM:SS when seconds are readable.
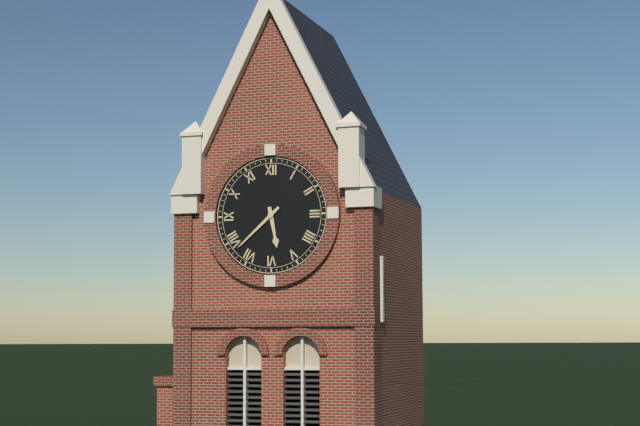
**5:38**
